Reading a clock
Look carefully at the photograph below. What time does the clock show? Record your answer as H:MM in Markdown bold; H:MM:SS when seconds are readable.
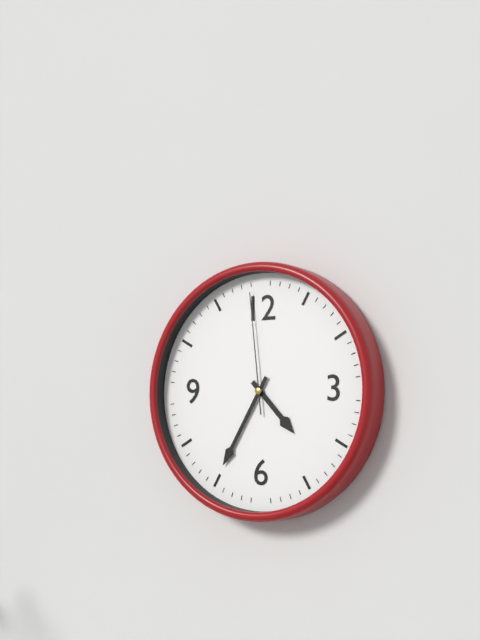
**4:35:59**
